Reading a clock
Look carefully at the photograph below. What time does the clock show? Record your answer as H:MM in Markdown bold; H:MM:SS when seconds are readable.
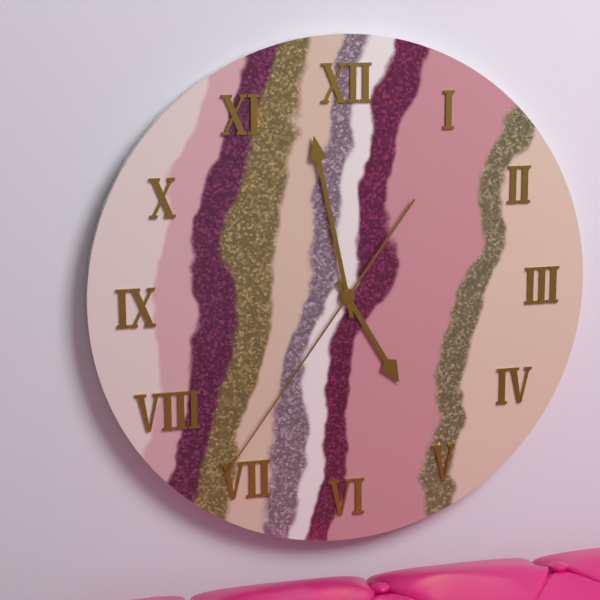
**4:58:36**
